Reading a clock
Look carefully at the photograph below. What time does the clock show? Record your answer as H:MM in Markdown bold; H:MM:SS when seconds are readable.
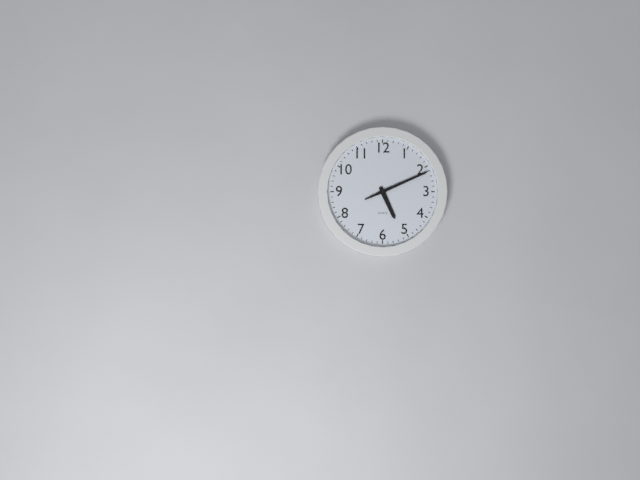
**5:11**
